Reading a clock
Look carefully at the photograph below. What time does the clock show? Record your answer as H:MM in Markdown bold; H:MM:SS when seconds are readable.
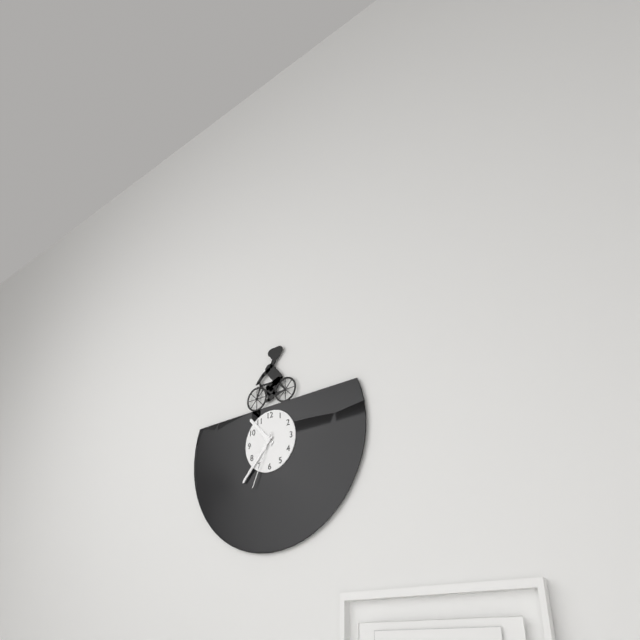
**10:37:34**
